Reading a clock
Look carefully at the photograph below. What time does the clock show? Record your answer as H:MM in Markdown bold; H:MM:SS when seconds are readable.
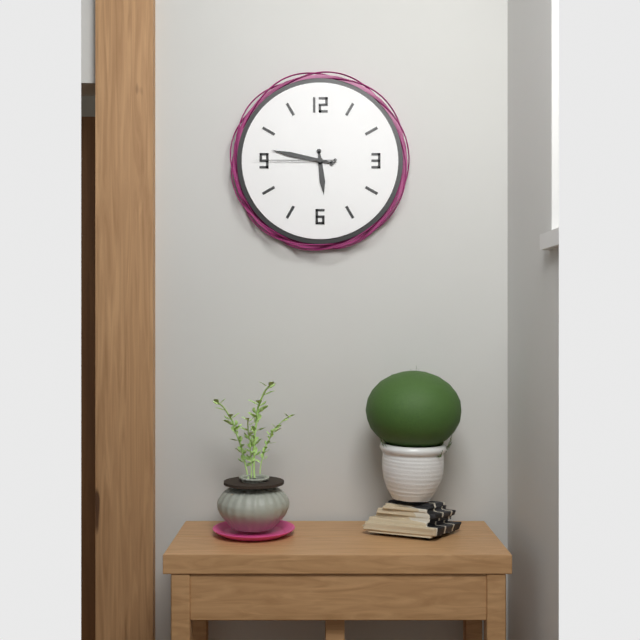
**5:47:45**
